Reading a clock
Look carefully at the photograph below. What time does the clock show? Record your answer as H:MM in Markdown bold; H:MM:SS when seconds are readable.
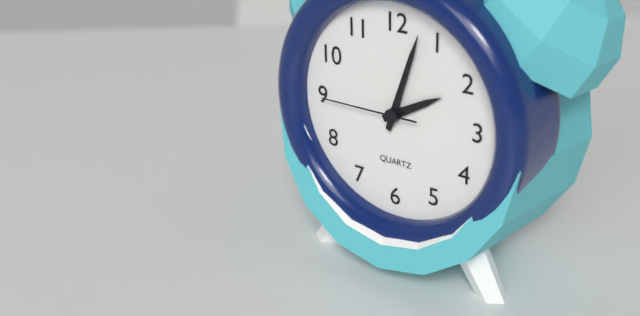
**2:03:45**
